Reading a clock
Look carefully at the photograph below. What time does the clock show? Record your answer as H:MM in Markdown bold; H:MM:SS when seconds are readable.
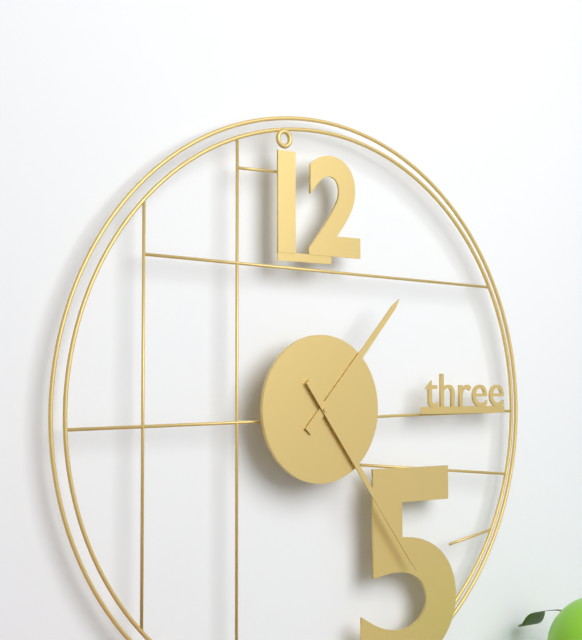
**1:24**
